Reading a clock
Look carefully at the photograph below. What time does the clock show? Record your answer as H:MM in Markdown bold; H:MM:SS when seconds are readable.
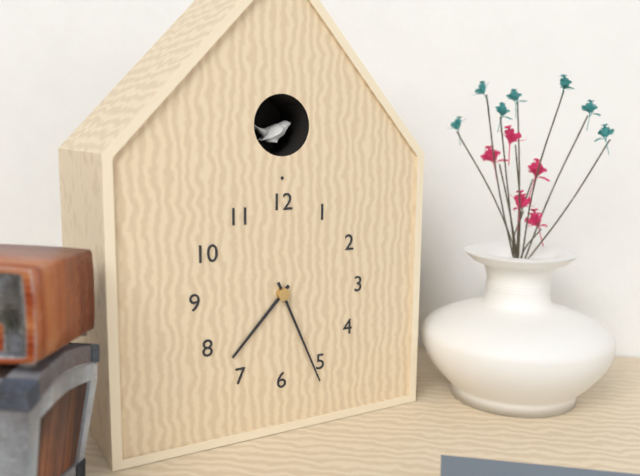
**7:26**
